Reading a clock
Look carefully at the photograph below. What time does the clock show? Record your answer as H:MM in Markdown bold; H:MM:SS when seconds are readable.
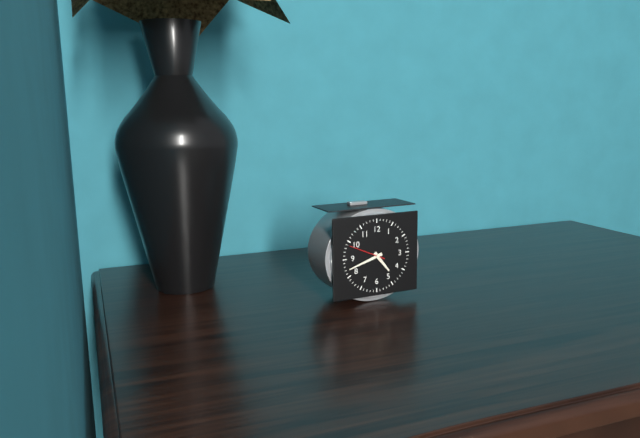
**4:42**
